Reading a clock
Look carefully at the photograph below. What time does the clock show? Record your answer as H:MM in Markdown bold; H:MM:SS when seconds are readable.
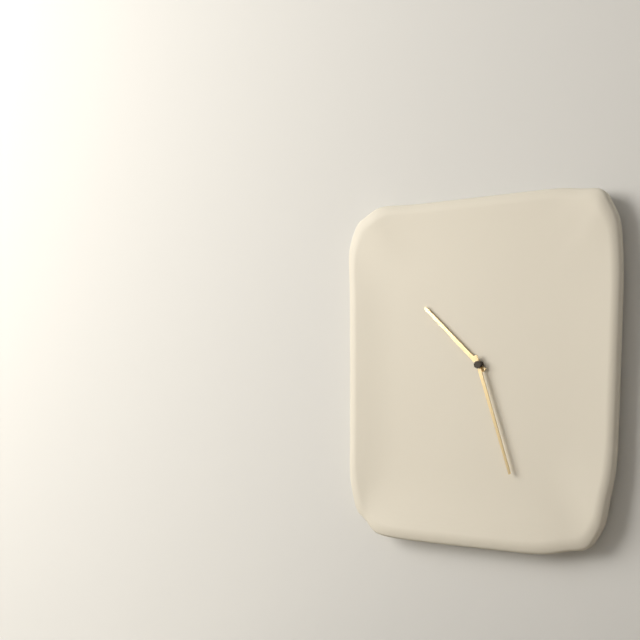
**10:27**
